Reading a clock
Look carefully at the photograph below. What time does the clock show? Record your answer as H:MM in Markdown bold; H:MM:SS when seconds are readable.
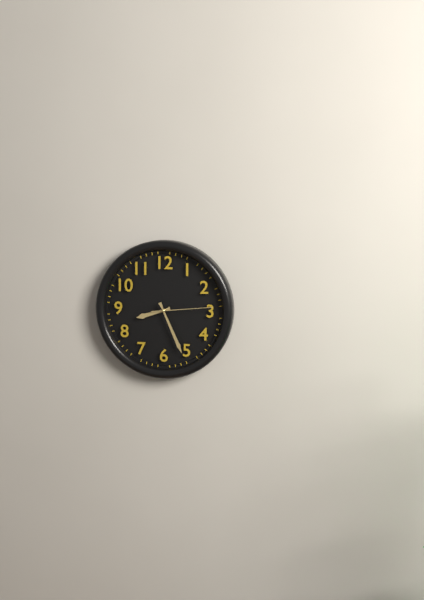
**8:26:14**
